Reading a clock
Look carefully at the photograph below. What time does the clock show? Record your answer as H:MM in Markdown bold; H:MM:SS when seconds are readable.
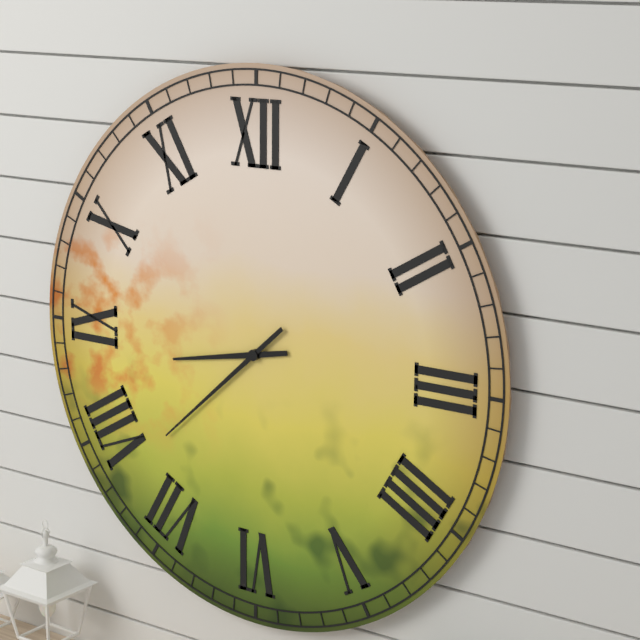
**8:38**
